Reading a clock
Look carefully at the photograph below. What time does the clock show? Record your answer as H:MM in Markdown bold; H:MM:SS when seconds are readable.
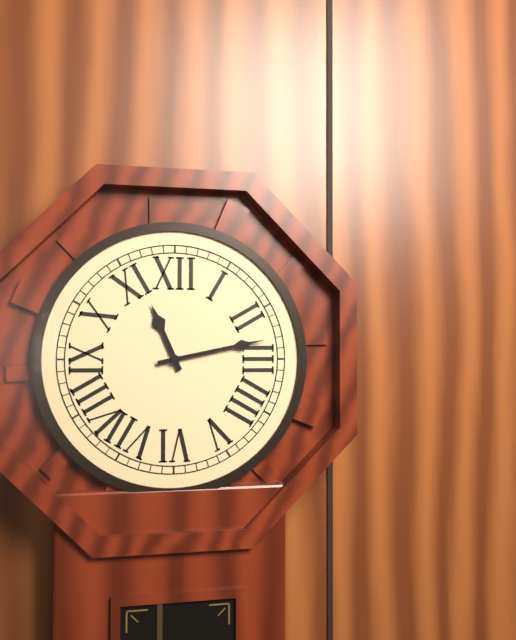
**11:13**
